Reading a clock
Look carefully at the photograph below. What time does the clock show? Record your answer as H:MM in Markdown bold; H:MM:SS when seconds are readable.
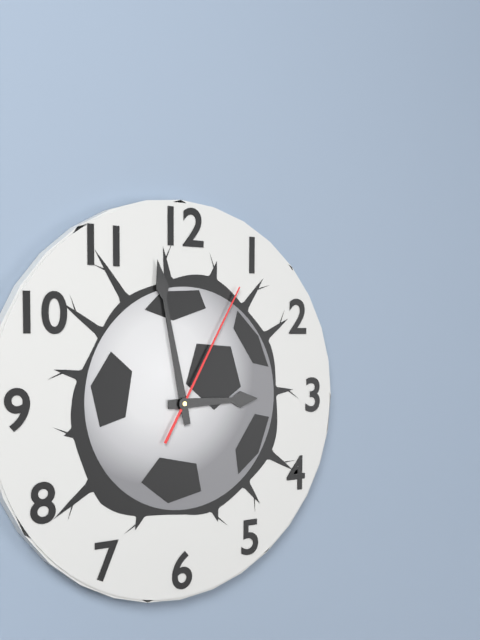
**2:58:05**
